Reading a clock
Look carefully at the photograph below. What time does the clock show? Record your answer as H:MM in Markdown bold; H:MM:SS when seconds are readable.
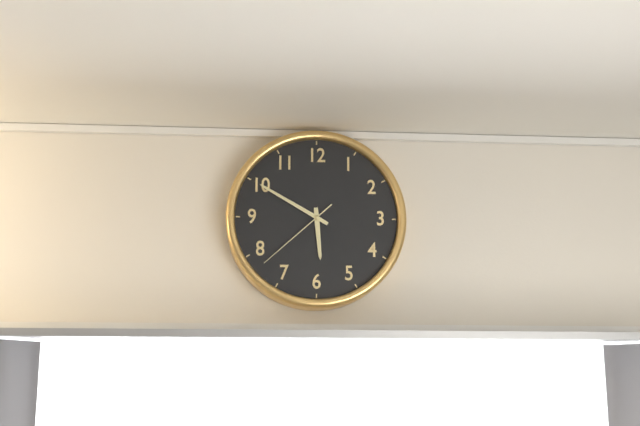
**5:50:38**
